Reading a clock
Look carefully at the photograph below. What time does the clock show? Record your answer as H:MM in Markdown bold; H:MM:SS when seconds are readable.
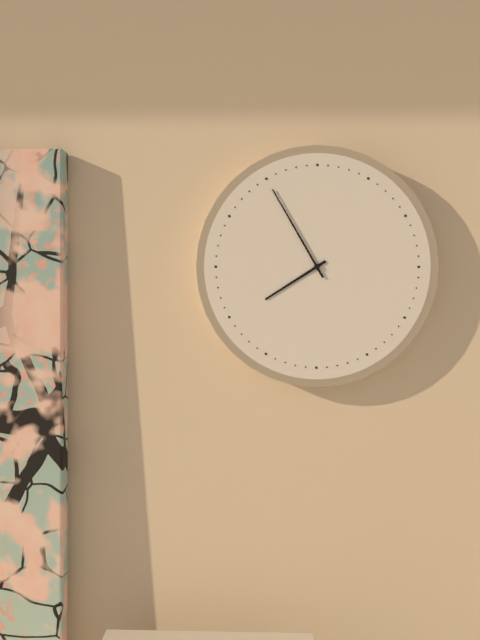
**7:55**
